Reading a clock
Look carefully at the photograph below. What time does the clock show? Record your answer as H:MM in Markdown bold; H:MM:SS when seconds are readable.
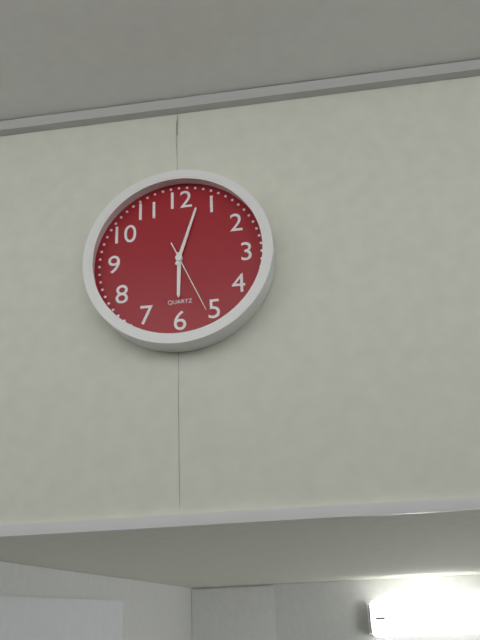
**6:03:26**
